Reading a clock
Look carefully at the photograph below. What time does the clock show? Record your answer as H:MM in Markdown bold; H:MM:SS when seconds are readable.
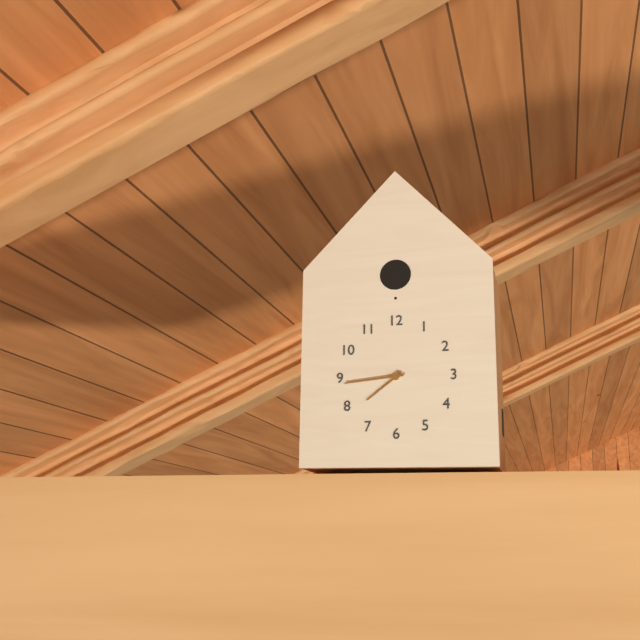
**7:44**
